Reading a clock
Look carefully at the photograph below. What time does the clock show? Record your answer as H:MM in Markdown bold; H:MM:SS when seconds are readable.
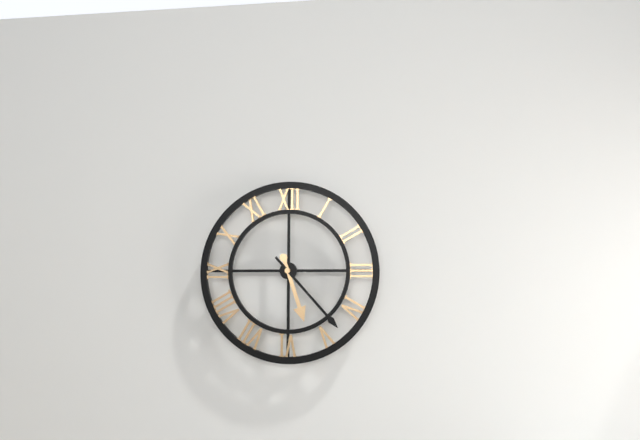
**5:23**
